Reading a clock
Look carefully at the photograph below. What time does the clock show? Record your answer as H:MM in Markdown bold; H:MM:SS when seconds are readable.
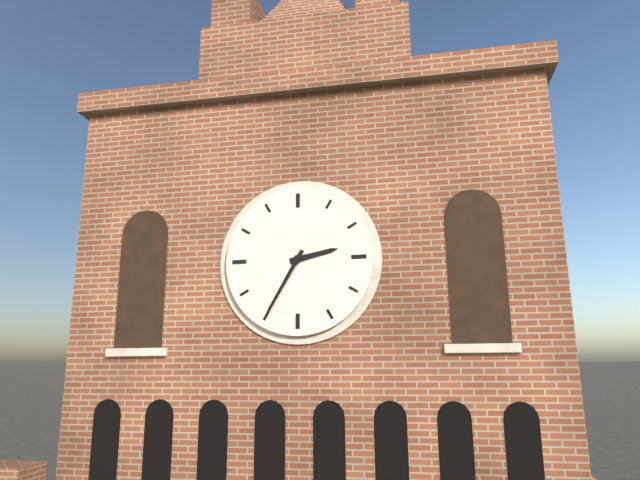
**2:35**
